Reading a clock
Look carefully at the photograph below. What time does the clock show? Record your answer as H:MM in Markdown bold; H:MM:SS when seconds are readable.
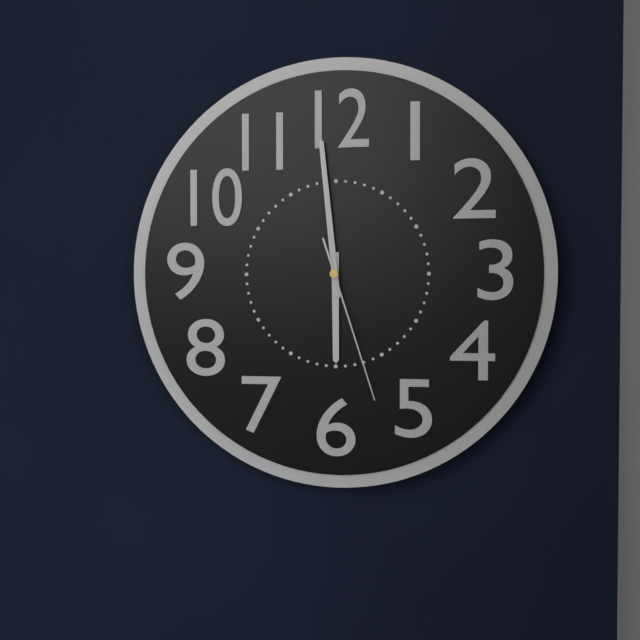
**5:59:27**
